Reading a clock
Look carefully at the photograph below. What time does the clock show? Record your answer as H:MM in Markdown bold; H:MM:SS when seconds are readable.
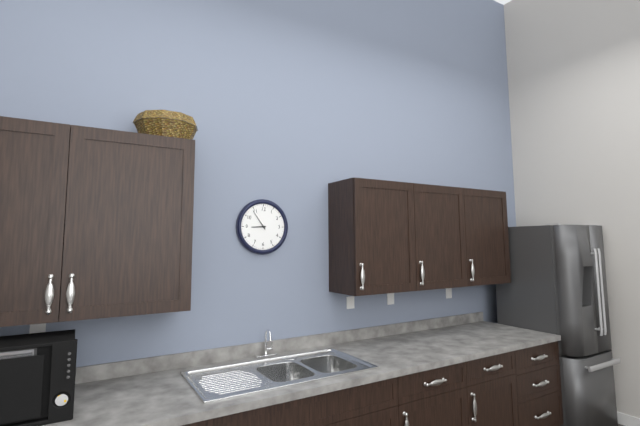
**8:54**
